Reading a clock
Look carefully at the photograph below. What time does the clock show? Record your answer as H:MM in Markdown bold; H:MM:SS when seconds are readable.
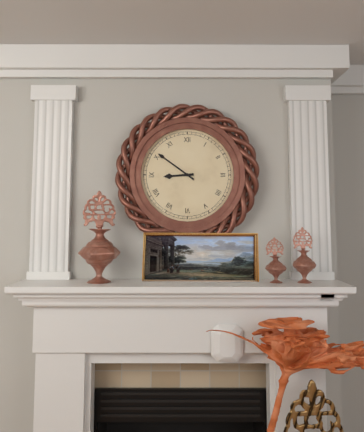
**8:51**
